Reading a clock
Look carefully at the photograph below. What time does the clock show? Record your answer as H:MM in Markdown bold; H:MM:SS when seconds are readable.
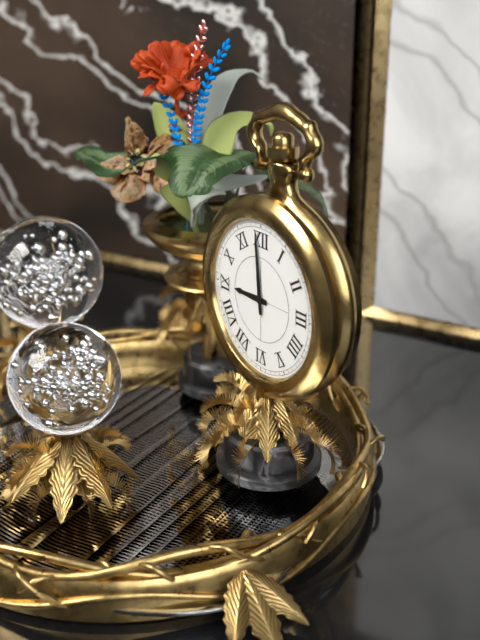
**8:59**
